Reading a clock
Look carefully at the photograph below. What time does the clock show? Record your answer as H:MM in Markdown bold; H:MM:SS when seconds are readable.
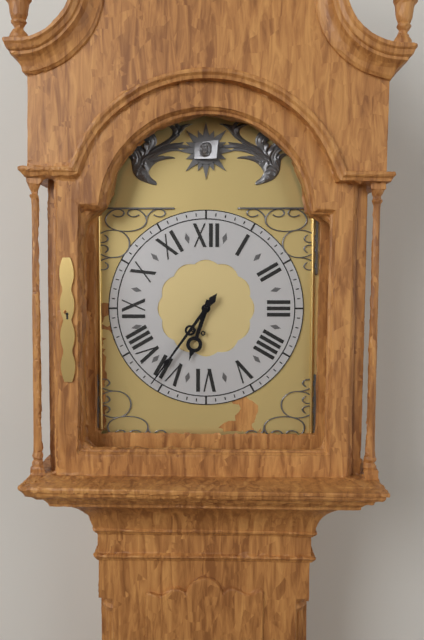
**6:36**
